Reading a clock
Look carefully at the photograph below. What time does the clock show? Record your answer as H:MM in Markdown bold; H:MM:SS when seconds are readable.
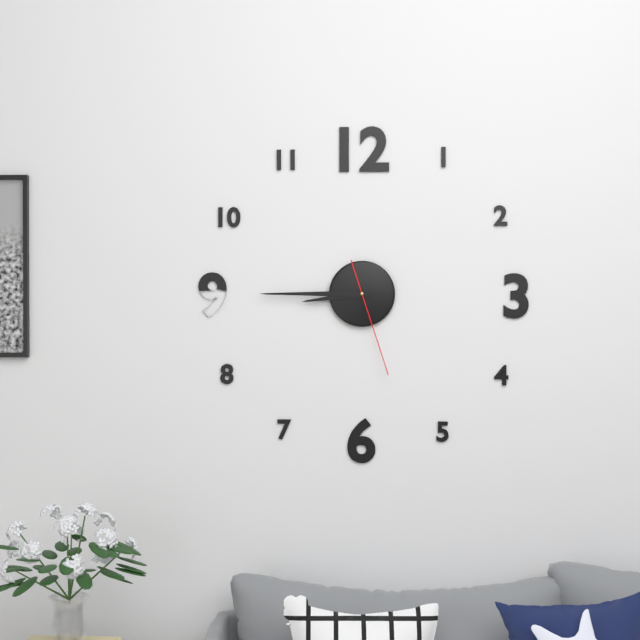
**8:45:27**
